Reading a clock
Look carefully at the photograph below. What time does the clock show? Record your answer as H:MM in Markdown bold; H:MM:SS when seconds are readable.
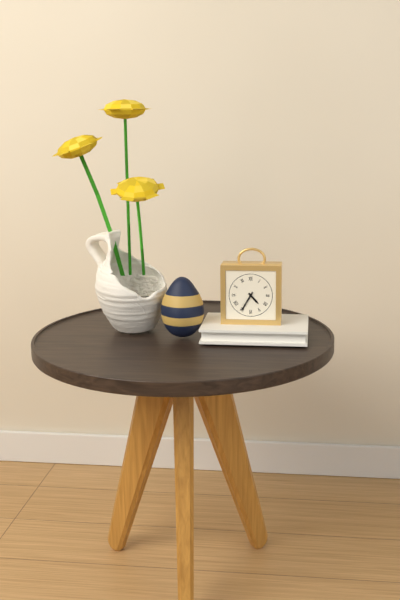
**4:35**
